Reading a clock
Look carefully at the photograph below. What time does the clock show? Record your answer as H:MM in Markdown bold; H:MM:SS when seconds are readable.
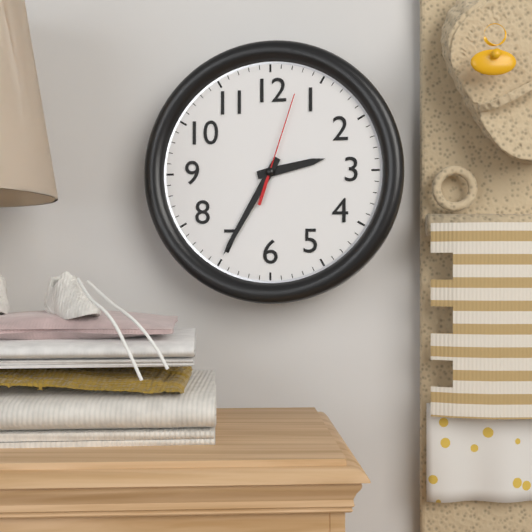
**2:35:03**
